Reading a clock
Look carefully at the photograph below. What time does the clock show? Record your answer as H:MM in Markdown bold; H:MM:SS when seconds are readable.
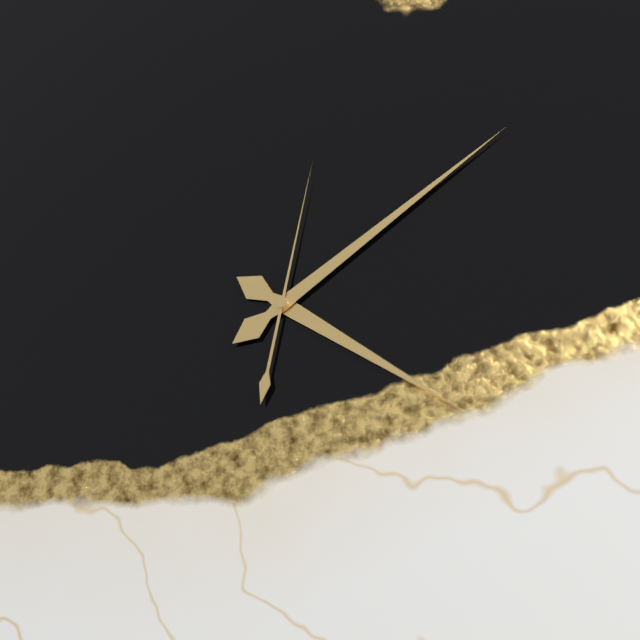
**4:09:02**
